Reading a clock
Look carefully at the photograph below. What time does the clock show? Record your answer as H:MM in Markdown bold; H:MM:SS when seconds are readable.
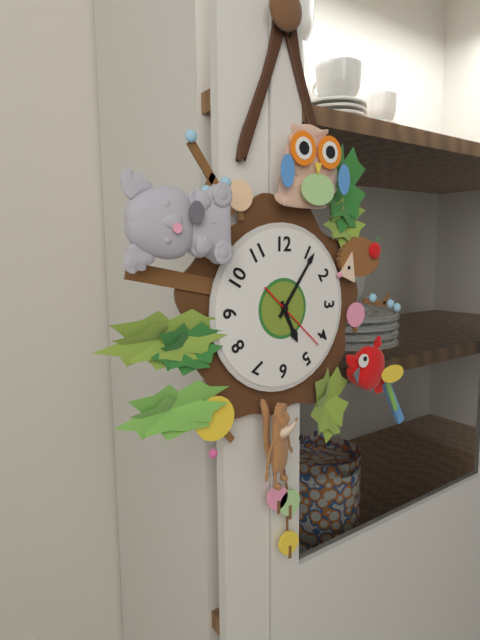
**5:06:22**
